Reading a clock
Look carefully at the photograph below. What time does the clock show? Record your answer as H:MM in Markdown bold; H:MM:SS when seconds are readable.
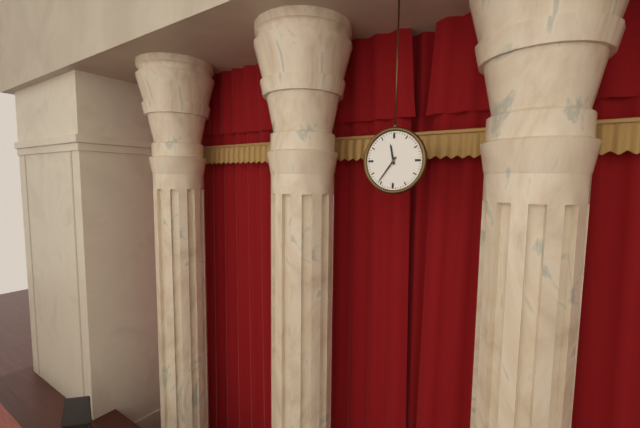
**11:36**
